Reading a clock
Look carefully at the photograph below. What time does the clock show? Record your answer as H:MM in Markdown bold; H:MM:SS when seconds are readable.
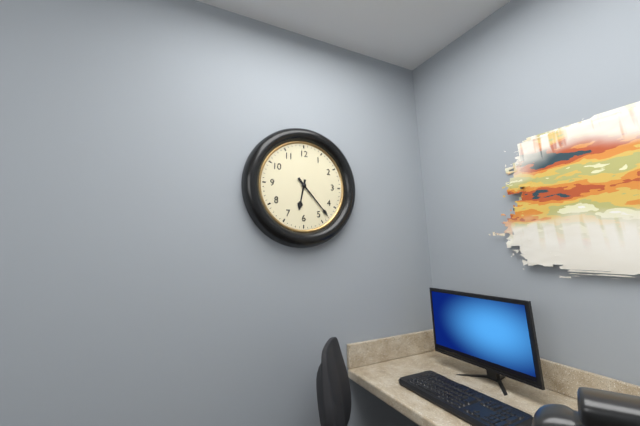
**6:23**
